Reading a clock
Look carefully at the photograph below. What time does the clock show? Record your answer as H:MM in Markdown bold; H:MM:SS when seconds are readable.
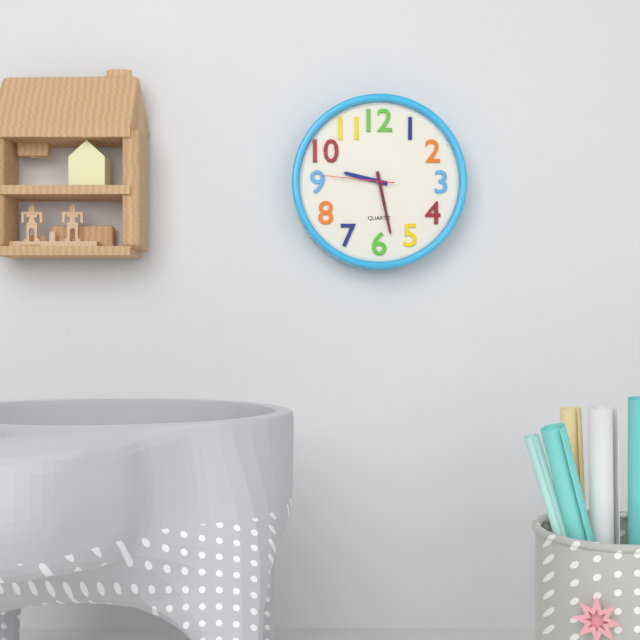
**9:28:46**
